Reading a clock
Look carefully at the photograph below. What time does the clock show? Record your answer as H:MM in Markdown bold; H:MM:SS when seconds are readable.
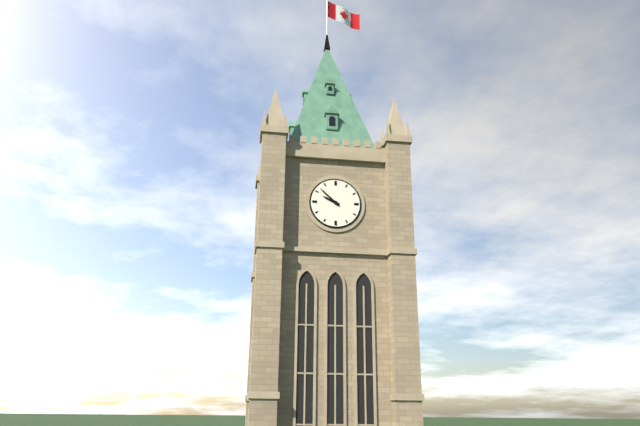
**9:52**
